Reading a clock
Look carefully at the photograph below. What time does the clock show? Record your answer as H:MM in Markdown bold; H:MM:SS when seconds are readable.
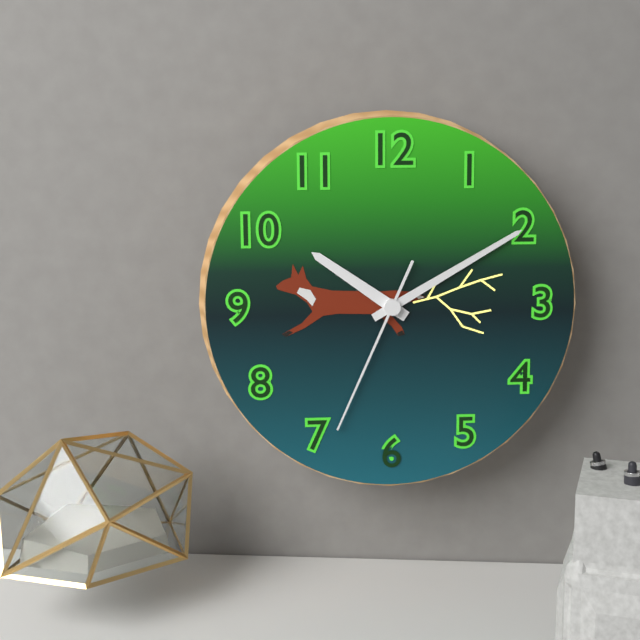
**10:10:34**
